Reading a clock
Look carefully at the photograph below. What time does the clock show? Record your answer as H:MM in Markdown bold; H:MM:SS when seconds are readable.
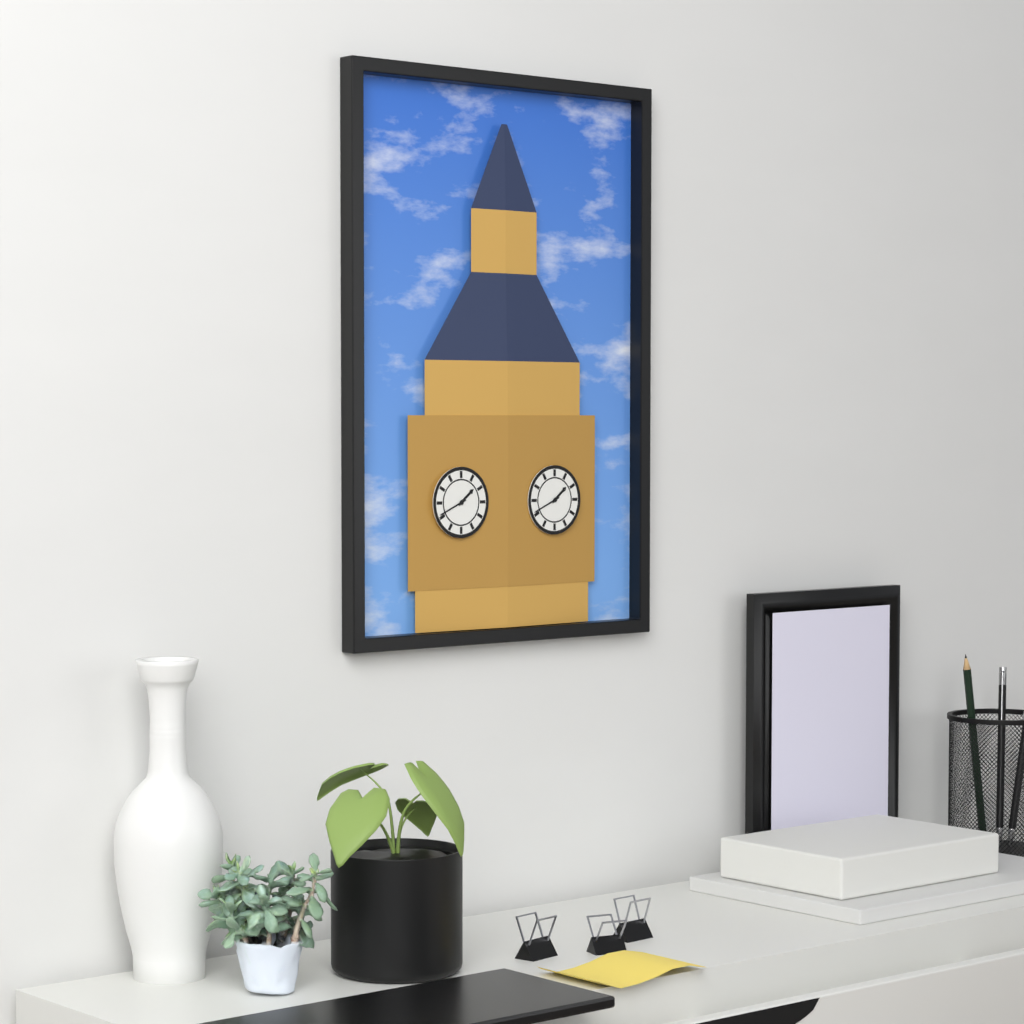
**1:41**
